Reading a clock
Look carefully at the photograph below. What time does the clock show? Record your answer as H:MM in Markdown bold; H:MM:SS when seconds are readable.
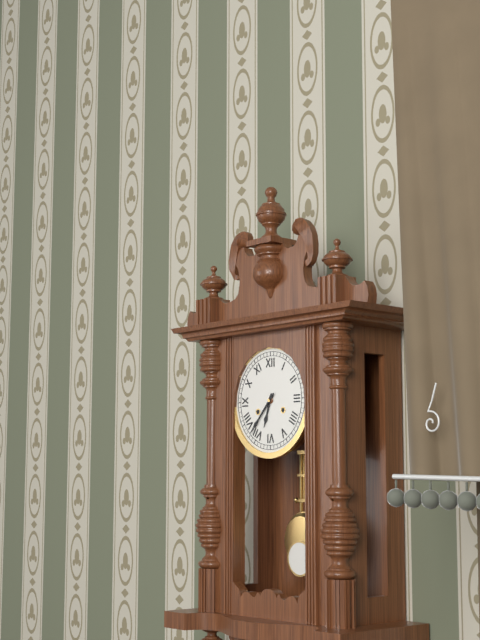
**6:37**
